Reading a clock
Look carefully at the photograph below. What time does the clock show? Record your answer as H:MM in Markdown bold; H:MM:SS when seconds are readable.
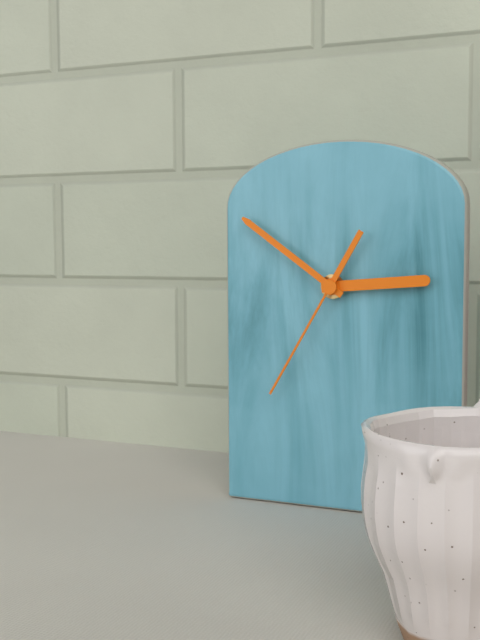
**2:51:35**
